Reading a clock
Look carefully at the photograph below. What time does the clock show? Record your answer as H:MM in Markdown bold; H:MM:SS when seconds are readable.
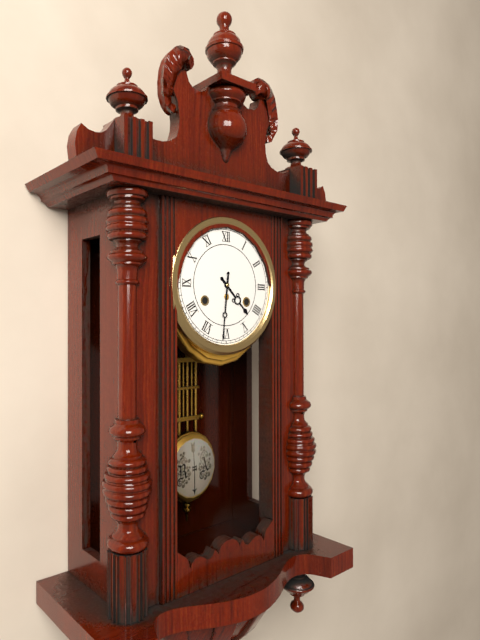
**4:31**
